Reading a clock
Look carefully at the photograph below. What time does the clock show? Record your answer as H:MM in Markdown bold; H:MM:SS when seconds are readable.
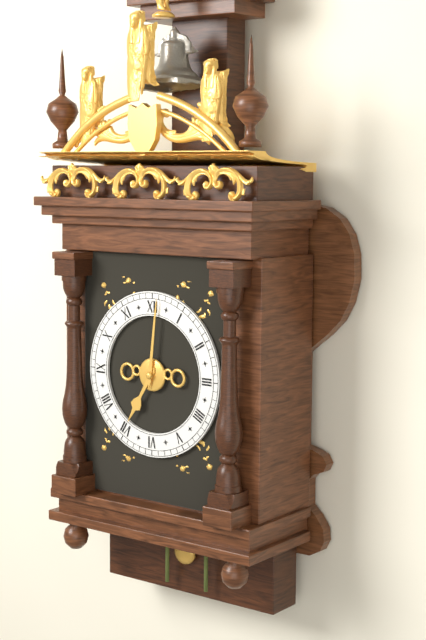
**7:01**
